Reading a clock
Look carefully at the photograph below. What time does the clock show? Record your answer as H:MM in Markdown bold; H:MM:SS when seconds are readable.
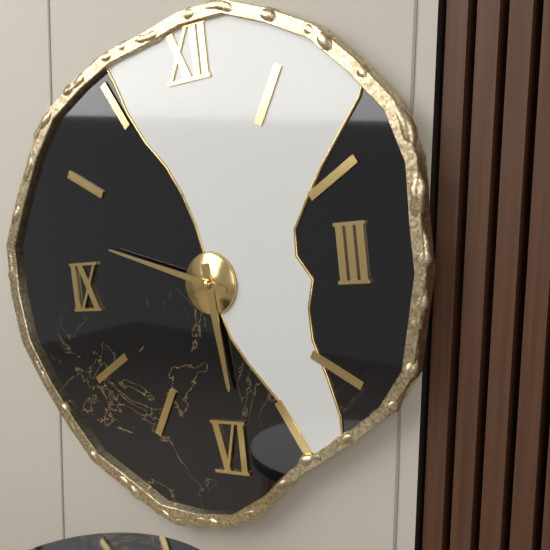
**5:48**
